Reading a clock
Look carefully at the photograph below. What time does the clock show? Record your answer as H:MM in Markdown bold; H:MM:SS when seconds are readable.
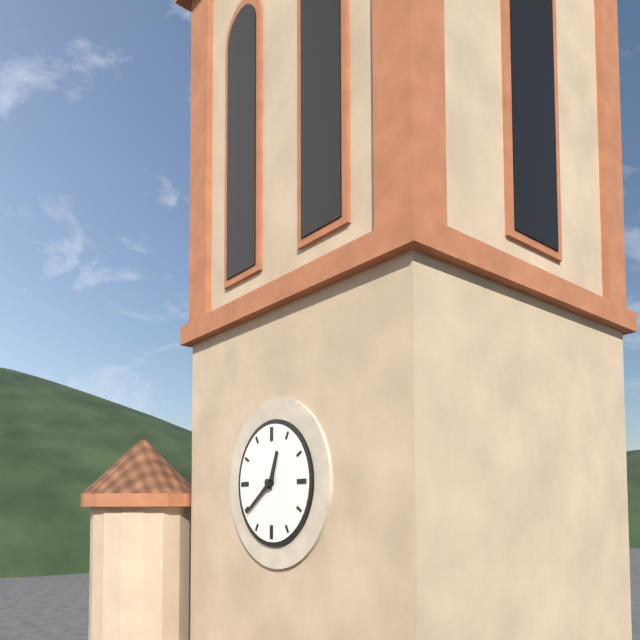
**12:39**
